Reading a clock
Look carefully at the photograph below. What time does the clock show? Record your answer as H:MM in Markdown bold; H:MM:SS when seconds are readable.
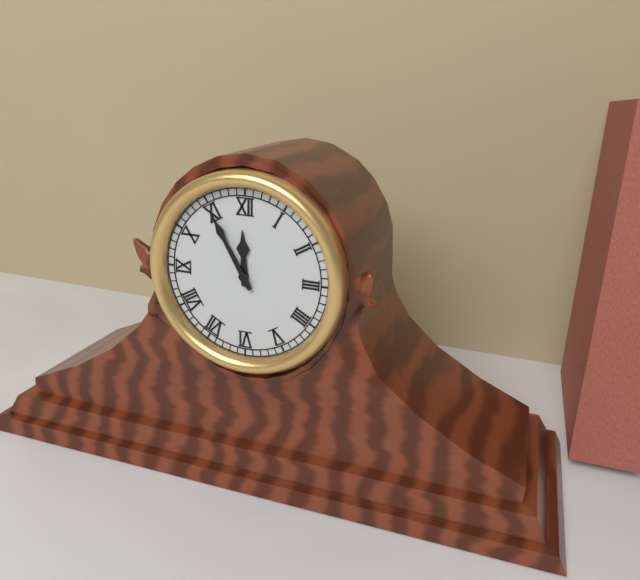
**11:55**
